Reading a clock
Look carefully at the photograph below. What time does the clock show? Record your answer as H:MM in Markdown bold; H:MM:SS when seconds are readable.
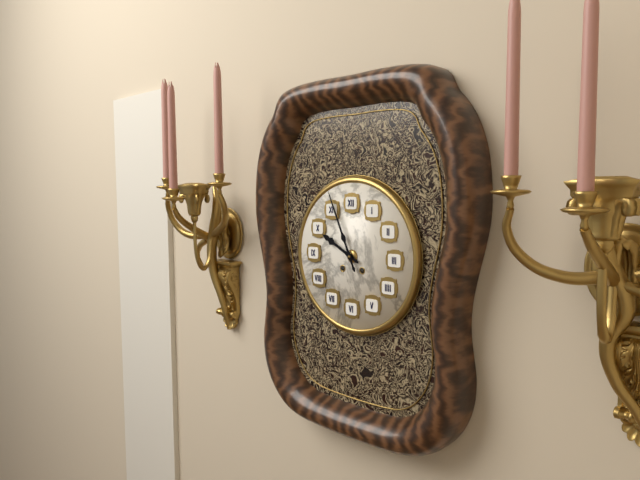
**9:56**
